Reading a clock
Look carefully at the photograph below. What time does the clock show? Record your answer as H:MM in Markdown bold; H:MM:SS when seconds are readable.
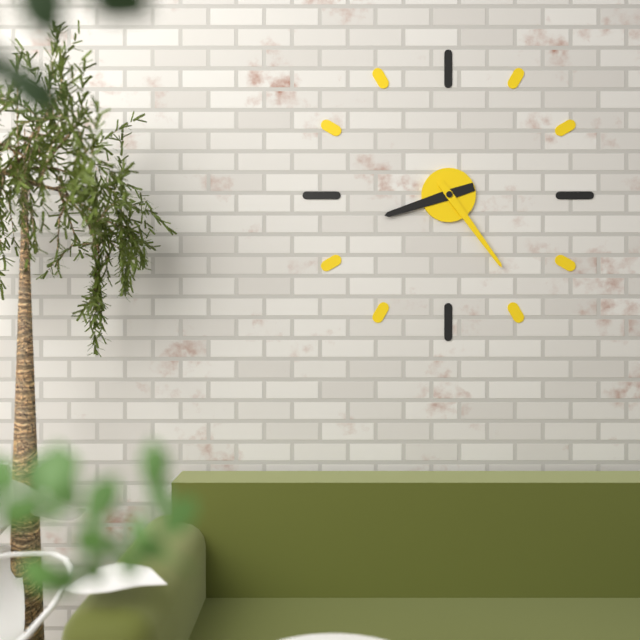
**8:24**
